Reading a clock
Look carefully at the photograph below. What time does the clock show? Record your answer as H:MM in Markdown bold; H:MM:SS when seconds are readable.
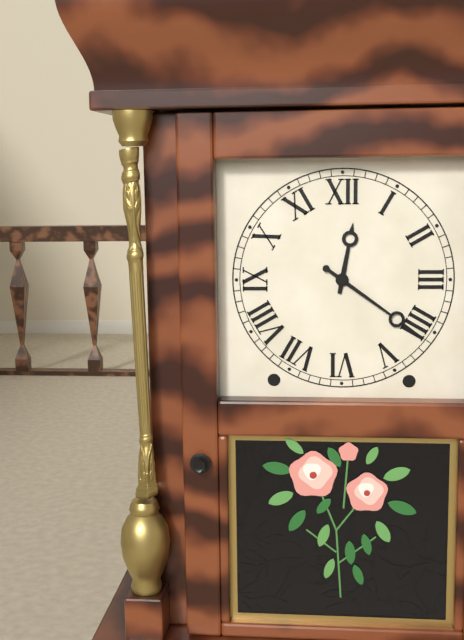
**12:21**
